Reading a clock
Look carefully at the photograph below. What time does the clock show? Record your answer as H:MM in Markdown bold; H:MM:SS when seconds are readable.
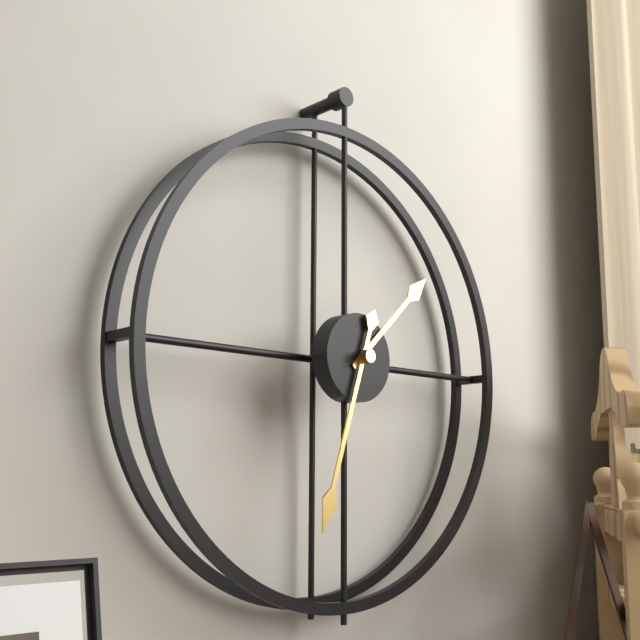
**1:33**
